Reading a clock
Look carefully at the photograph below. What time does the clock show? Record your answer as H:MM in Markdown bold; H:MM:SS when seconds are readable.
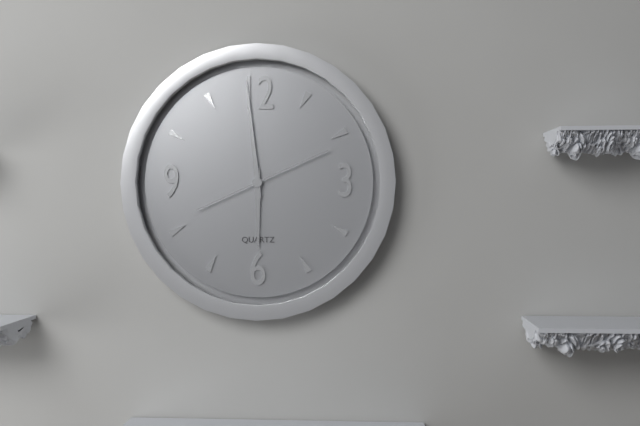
**5:59:11**
